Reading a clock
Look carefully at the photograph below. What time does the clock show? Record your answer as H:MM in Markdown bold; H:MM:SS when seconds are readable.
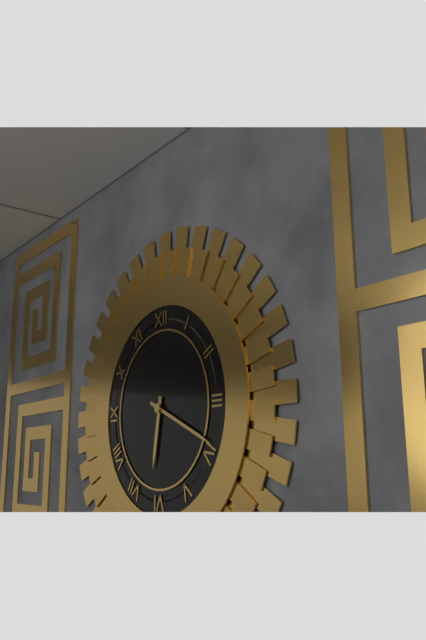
**6:19**
